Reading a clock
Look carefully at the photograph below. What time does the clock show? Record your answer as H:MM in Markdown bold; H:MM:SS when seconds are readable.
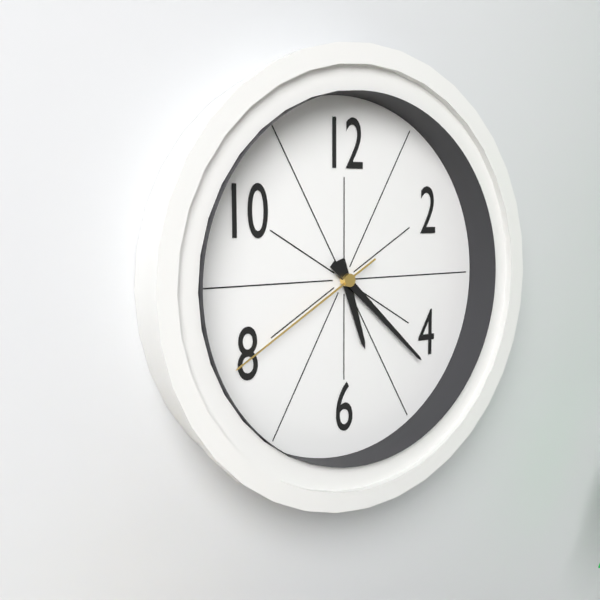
**5:22:40**
